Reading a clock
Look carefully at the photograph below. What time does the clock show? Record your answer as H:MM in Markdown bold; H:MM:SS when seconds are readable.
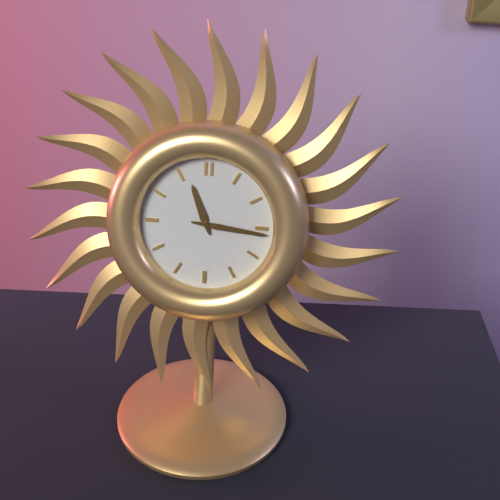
**11:16**
